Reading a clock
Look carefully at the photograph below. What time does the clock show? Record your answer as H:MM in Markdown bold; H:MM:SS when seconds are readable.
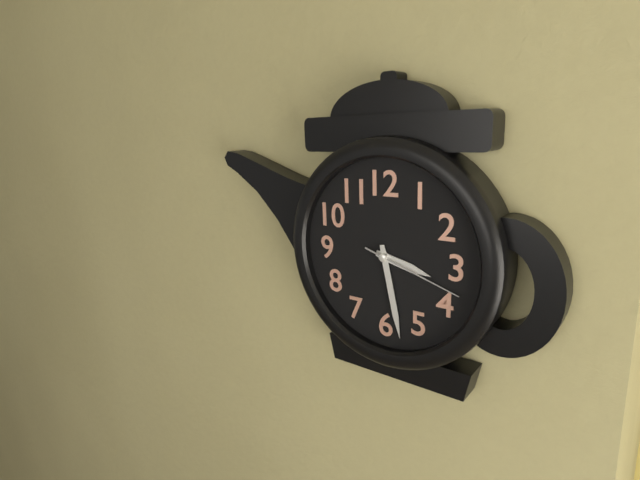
**3:28:18**
